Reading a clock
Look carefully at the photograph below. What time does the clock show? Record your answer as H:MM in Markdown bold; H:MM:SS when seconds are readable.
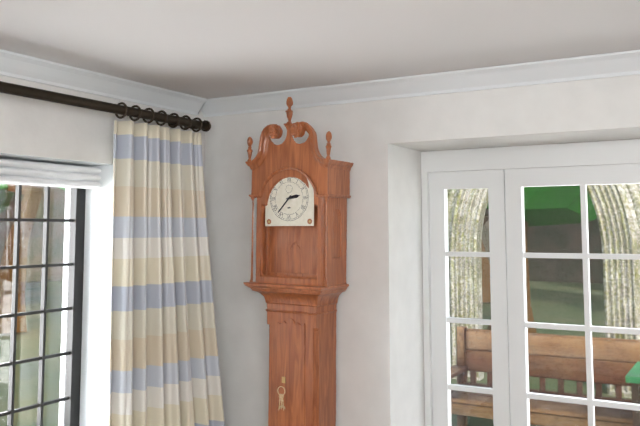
**2:37**
